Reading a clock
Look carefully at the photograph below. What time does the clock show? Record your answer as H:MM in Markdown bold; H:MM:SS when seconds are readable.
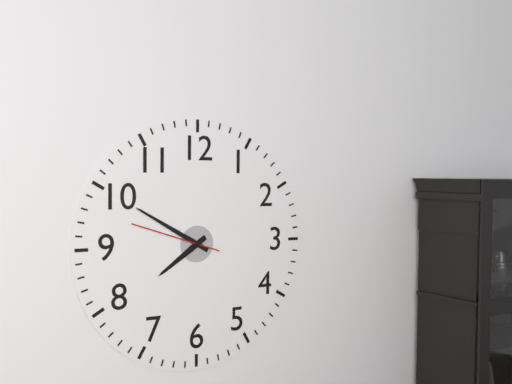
**7:50:48**
